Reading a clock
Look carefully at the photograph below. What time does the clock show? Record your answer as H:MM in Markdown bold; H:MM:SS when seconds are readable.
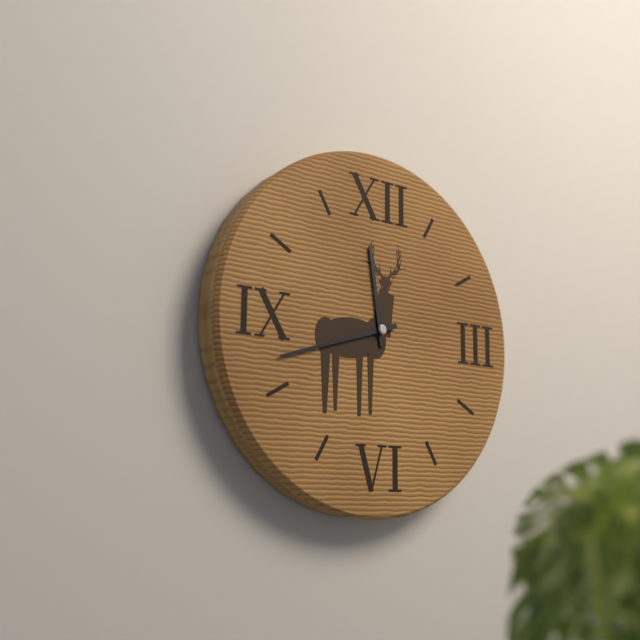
**11:42**
